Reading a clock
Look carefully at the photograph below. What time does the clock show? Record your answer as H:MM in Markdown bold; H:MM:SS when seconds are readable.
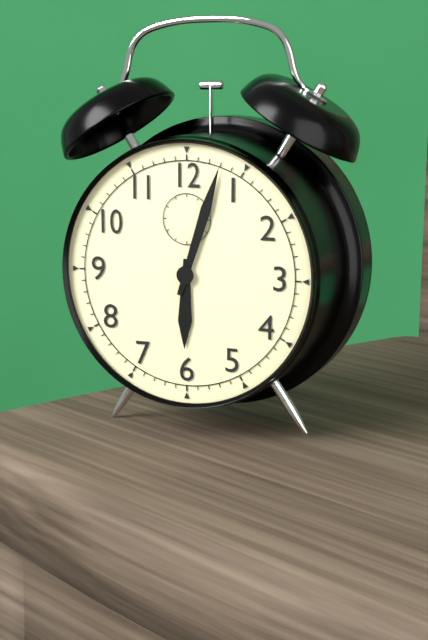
**6:03**
